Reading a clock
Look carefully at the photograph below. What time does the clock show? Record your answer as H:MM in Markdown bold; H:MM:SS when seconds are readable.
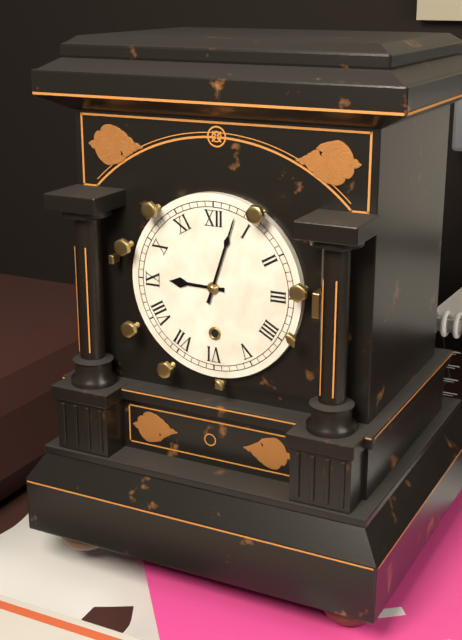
**9:03**
